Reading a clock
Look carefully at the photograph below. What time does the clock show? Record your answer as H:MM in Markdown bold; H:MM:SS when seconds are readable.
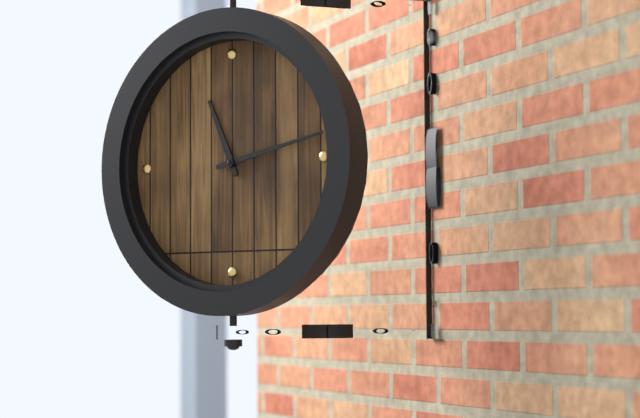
**11:13**
